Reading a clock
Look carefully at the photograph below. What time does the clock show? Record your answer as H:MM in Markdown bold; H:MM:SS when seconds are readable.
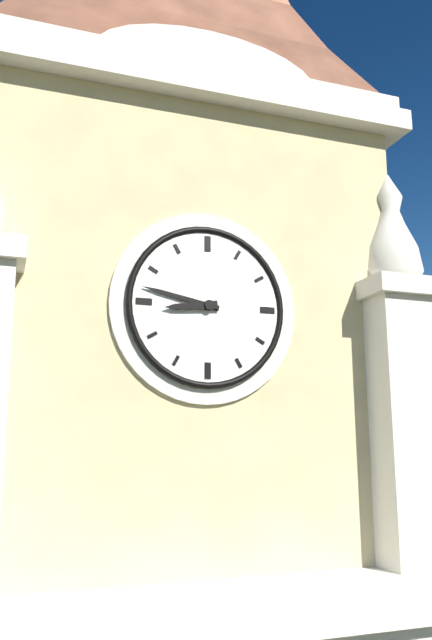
**8:47**
